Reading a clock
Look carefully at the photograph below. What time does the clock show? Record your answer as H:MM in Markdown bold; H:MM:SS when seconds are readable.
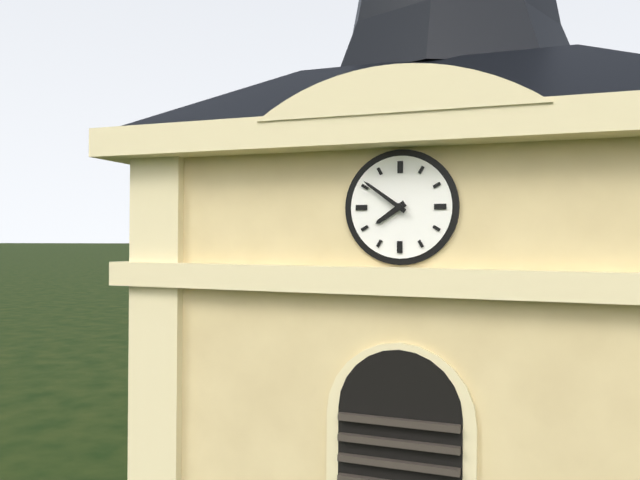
**7:51**
